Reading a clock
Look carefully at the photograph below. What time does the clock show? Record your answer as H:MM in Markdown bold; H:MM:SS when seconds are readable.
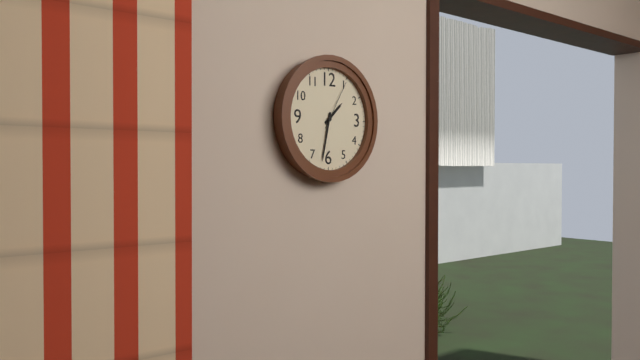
**1:32:05**
